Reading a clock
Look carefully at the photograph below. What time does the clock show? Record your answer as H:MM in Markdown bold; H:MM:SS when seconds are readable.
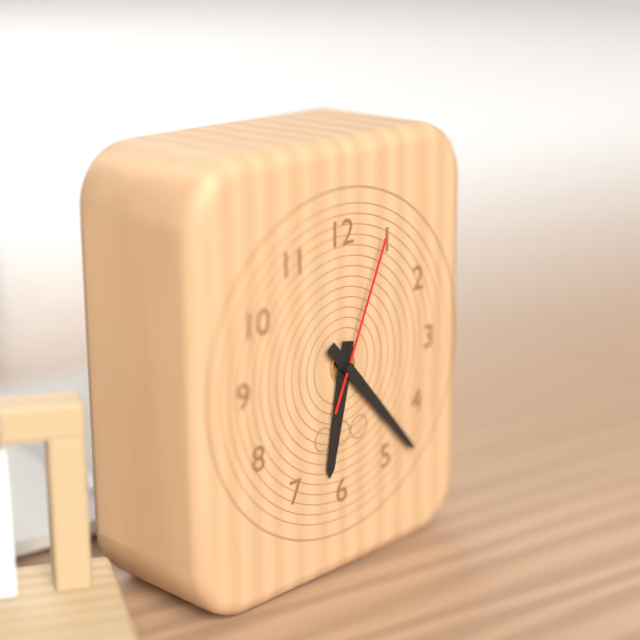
**6:23:04**
